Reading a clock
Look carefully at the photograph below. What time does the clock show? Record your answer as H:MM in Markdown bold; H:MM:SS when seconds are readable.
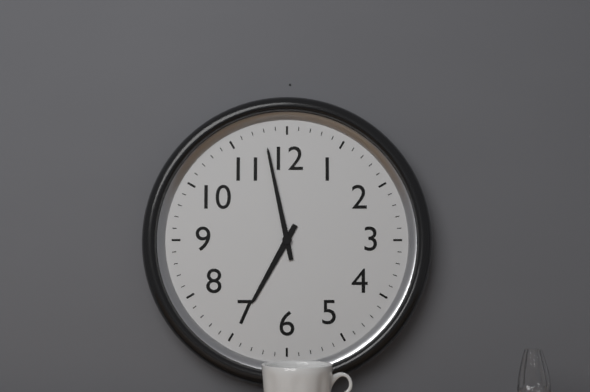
**6:58**
